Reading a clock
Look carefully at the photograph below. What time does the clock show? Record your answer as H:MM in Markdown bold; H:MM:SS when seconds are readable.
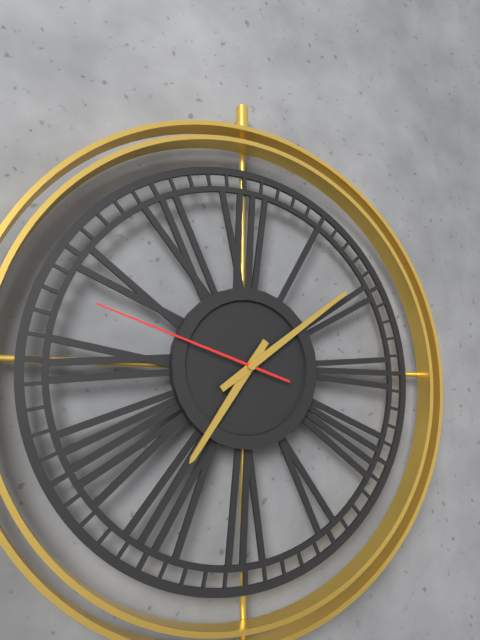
**7:09:48**
